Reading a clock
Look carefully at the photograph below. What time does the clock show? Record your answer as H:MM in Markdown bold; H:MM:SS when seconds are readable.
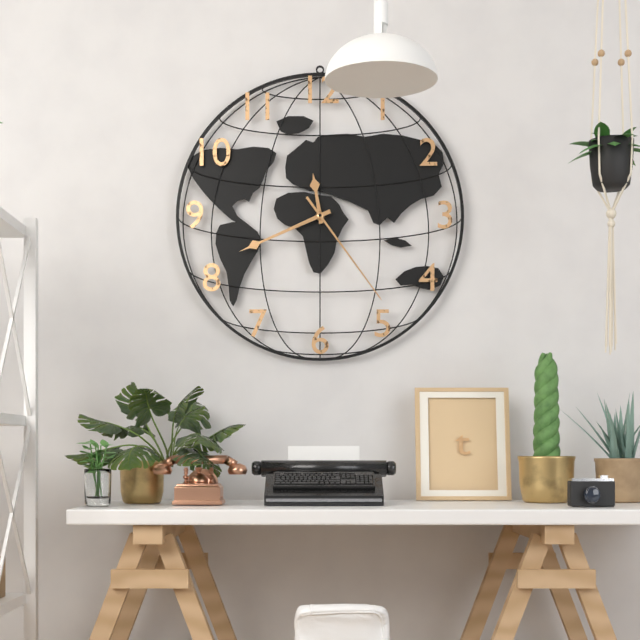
**11:41:24**
